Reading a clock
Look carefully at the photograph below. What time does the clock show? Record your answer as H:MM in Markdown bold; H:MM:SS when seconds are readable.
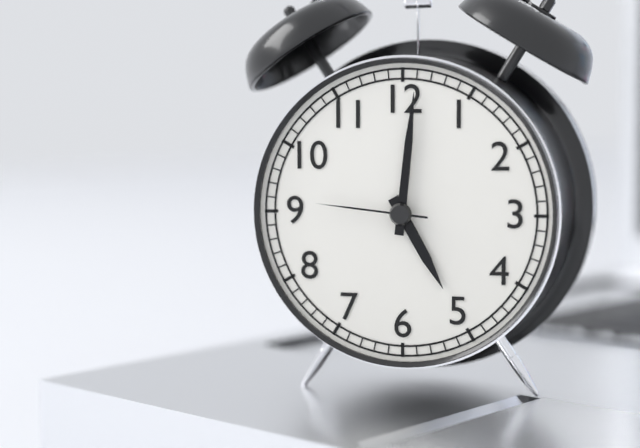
**5:01:46**
